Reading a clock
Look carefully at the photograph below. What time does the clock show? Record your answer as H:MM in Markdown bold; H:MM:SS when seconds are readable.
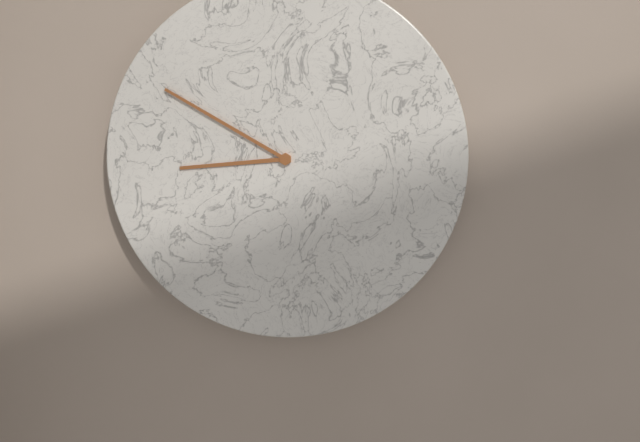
**8:50**
